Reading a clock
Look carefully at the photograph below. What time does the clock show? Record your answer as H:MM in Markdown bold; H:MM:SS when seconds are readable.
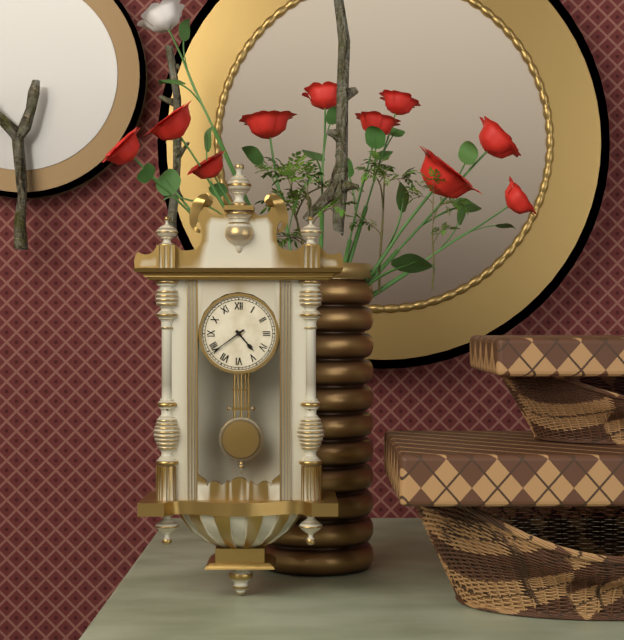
**4:39**
